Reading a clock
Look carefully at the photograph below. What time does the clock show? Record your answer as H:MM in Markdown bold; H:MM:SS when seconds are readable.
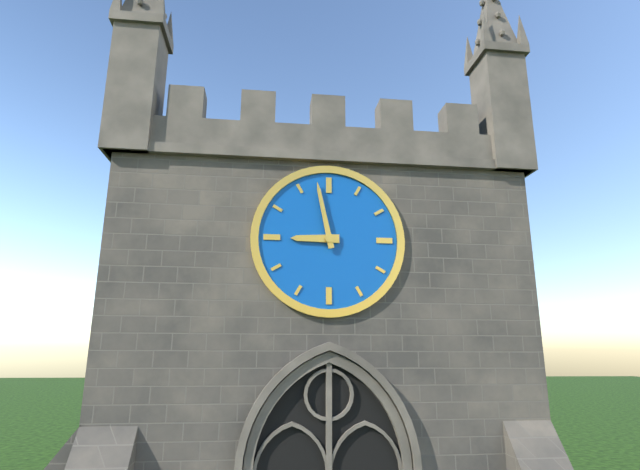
**8:58**
